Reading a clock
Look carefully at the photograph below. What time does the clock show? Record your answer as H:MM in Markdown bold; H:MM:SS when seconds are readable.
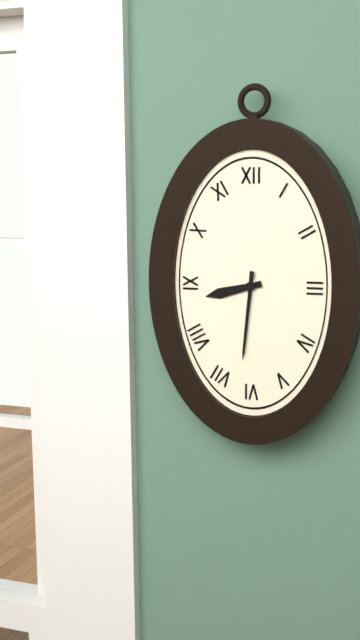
**8:31**
